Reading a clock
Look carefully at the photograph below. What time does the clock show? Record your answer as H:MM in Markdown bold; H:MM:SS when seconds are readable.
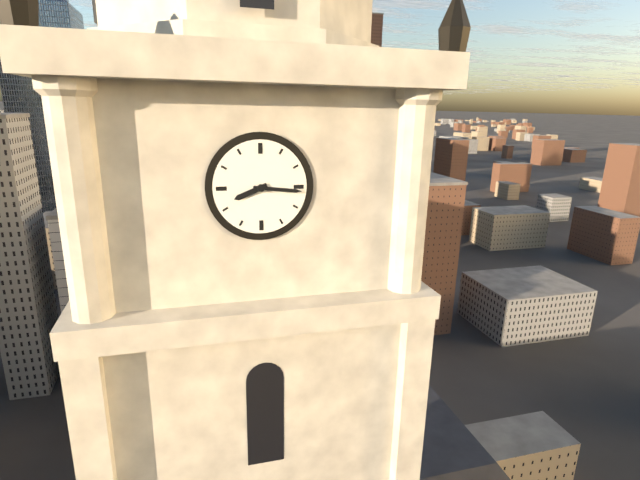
**8:16**
